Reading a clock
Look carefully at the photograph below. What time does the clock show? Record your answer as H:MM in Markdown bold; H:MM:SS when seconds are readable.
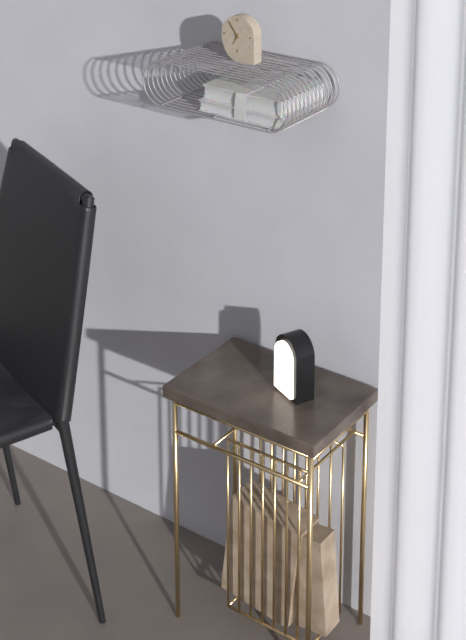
**6:54**
